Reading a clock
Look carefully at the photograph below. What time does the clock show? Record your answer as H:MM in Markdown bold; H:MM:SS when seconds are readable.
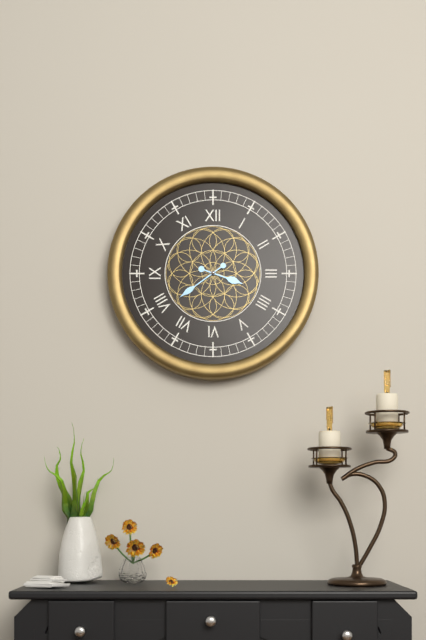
**3:39**
